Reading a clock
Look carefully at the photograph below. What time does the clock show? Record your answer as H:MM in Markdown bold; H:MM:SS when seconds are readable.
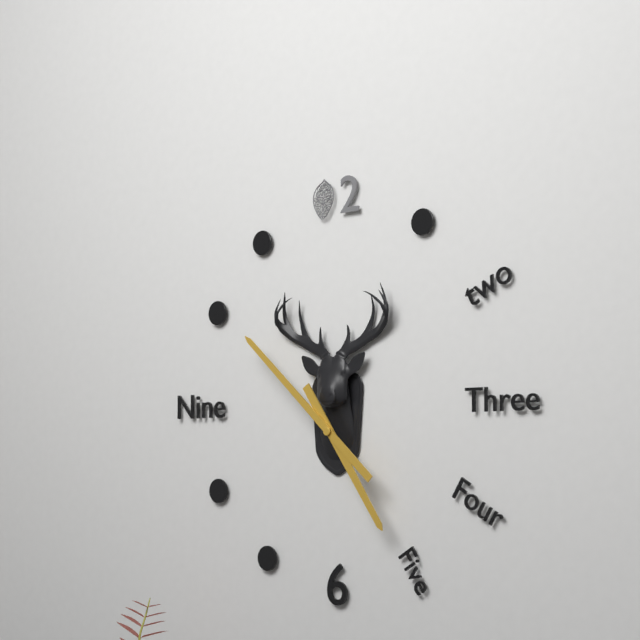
**4:52**
